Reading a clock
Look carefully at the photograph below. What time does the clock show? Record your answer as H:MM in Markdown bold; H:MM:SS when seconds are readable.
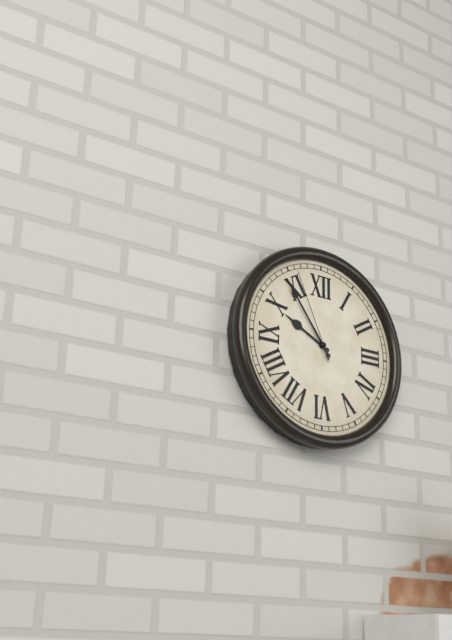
**9:54:56**
